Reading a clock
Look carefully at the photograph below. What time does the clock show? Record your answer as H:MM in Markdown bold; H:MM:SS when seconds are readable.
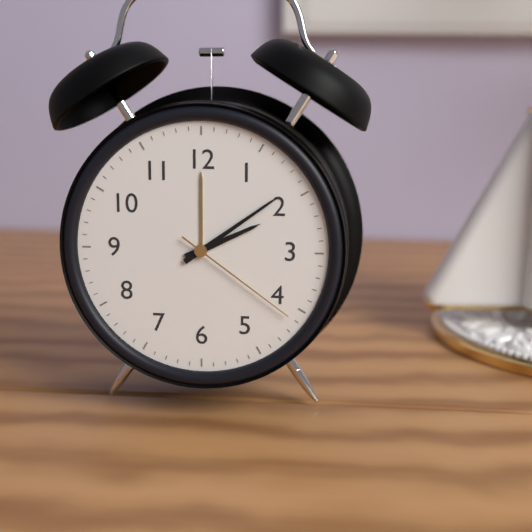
**2:09:21**
